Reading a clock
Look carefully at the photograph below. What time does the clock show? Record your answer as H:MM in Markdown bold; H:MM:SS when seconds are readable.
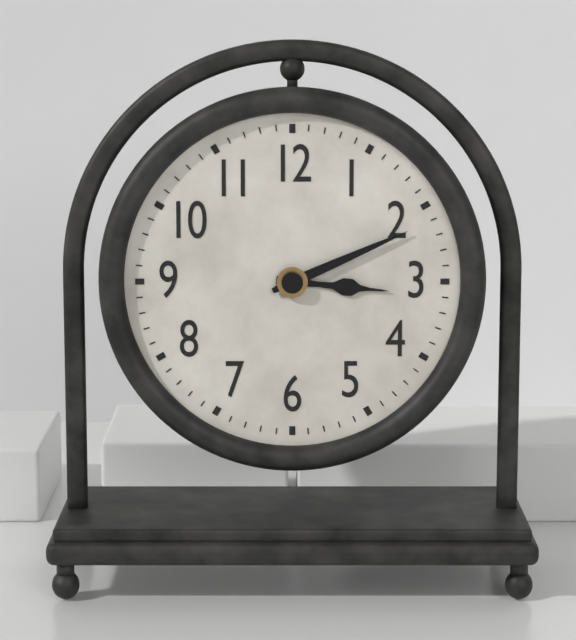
**3:11**
